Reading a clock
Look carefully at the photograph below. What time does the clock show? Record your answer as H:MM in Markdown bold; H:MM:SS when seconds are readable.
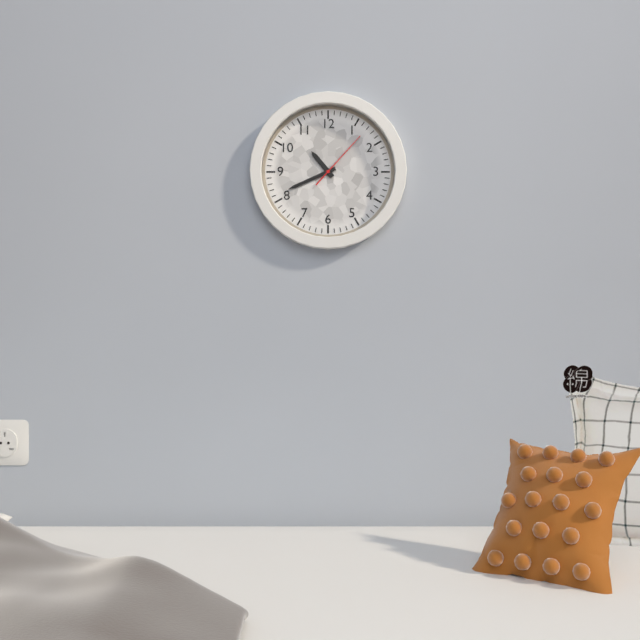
**10:41:07**
